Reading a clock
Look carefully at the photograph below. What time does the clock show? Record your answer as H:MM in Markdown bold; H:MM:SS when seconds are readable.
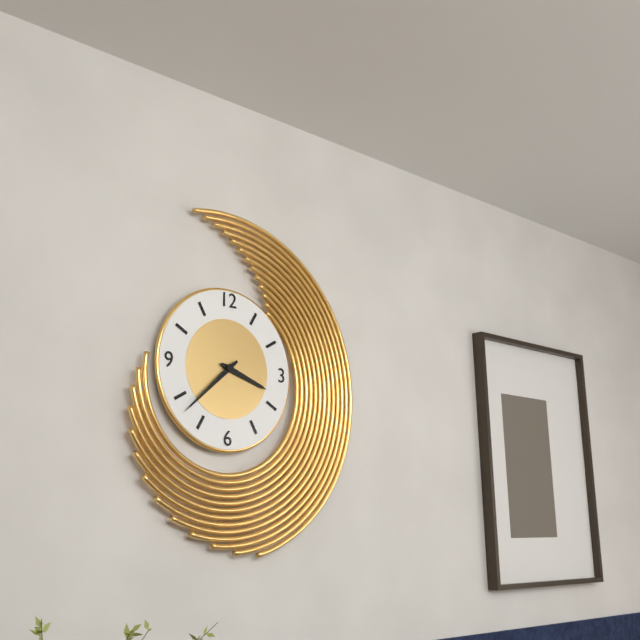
**3:38**
